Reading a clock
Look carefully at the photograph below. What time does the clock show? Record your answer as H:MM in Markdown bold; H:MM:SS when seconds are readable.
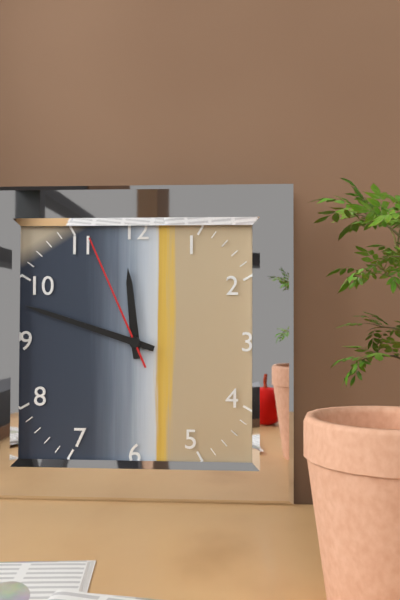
**11:48:56**
